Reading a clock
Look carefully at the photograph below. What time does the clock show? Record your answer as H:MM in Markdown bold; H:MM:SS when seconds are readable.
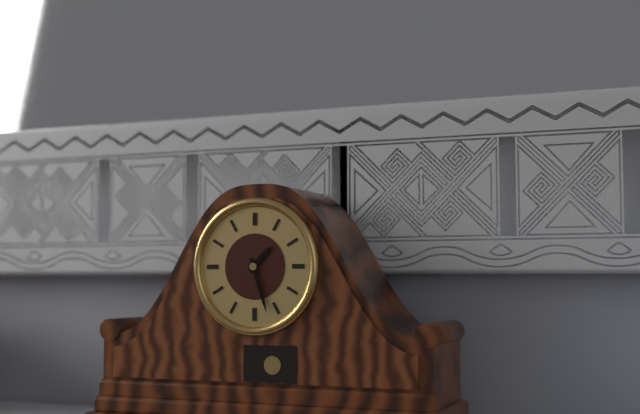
**1:27**
